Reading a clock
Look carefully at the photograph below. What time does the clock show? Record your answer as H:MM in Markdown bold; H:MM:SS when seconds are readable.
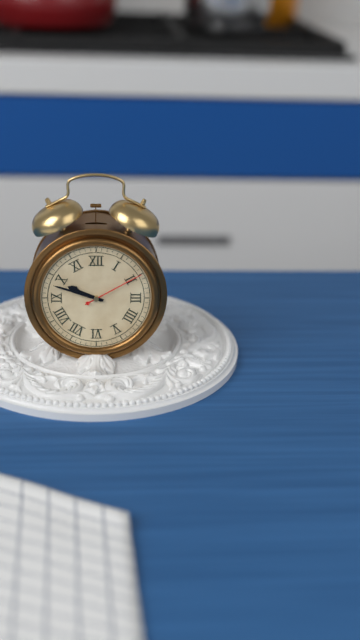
**9:48:10**
